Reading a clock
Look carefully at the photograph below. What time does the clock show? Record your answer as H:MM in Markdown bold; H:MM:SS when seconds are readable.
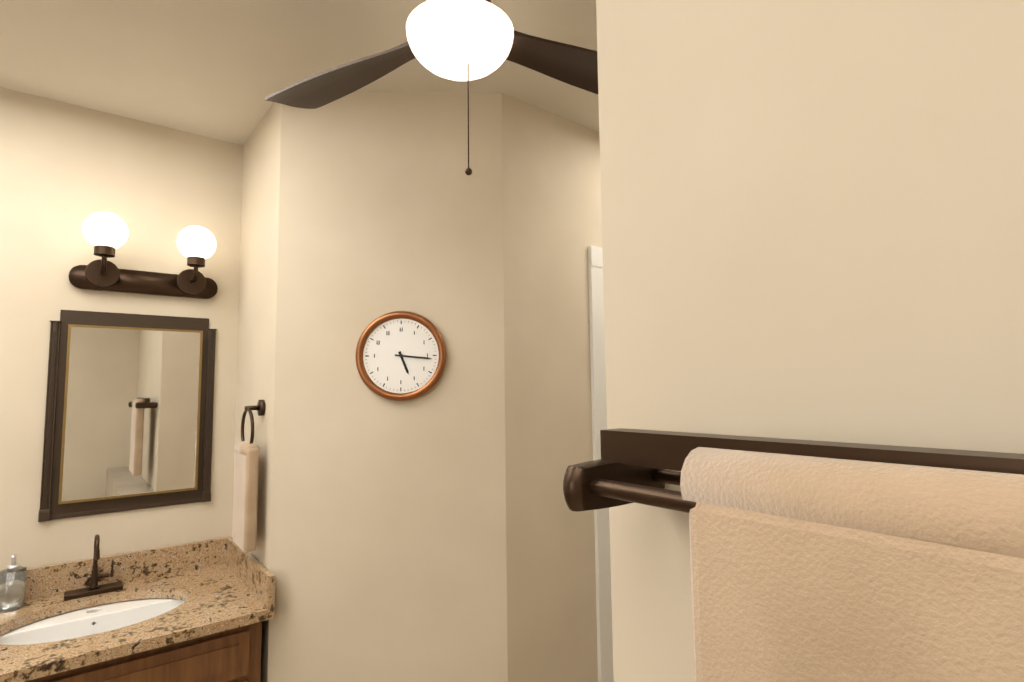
**5:16**
